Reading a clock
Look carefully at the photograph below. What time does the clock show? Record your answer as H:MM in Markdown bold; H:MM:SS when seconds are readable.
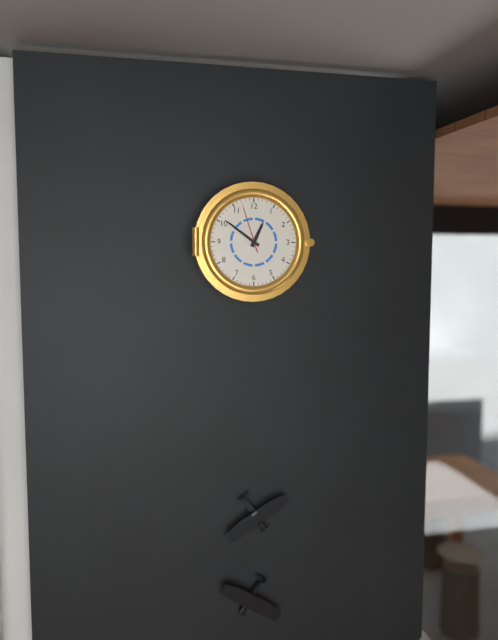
**12:51:57**
